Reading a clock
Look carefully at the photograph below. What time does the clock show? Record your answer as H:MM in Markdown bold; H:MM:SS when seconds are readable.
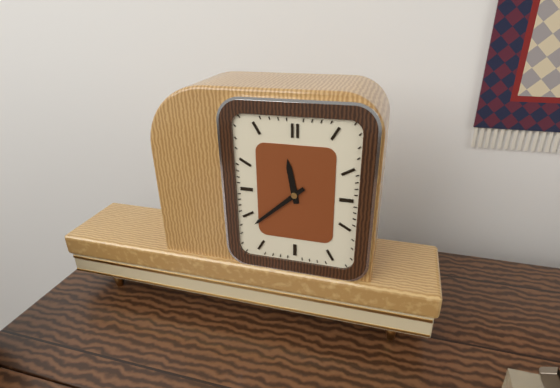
**11:38**
